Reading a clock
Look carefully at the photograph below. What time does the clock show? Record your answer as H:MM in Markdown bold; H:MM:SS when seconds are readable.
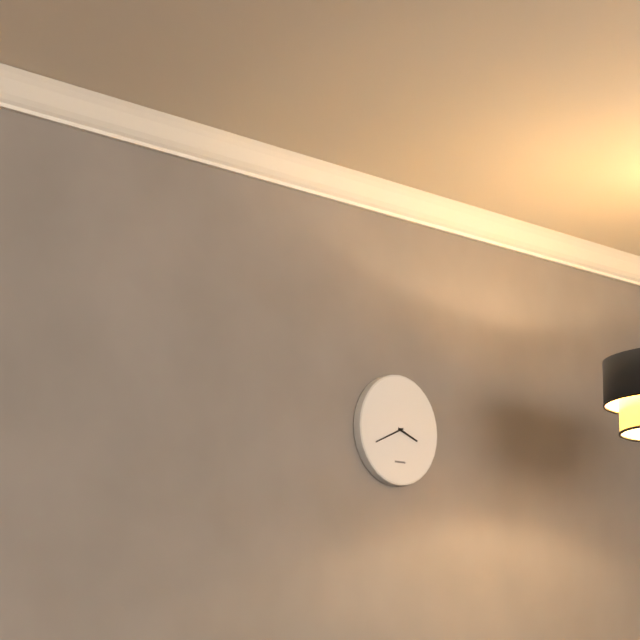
**3:41**
